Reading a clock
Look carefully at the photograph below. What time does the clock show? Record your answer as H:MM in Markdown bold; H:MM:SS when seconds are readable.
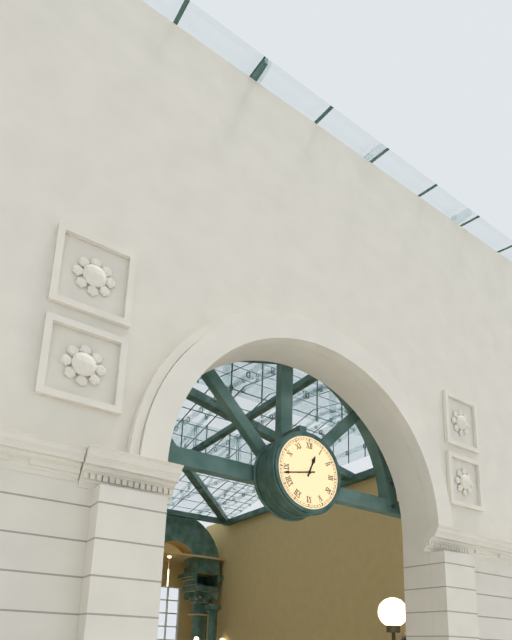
**12:43**
